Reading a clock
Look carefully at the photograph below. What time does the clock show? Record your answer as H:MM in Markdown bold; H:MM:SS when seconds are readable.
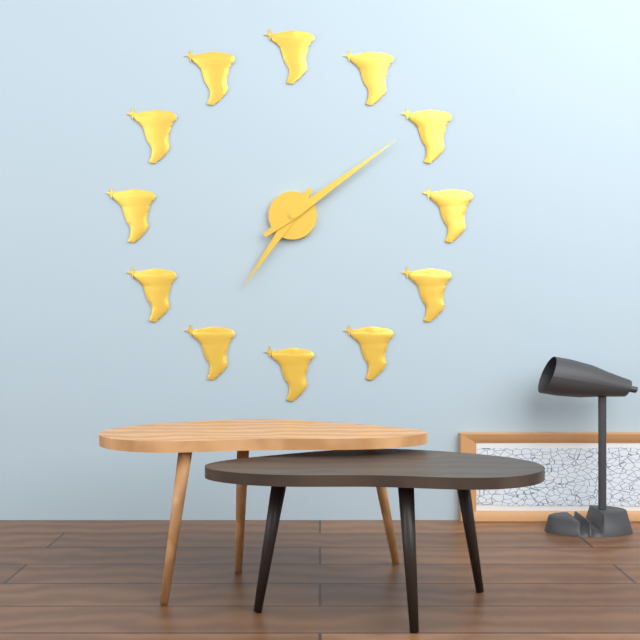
**7:09**
